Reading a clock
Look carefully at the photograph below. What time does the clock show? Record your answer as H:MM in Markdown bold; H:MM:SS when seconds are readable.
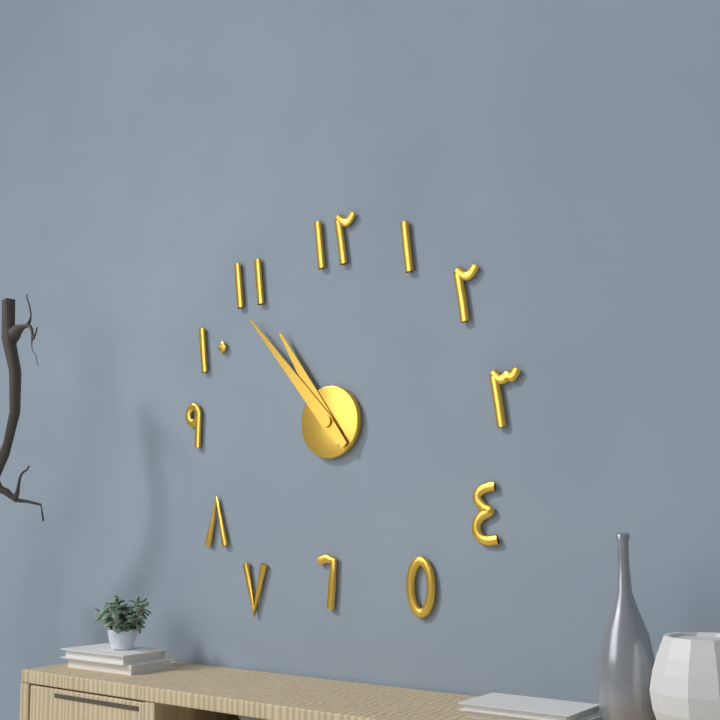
**10:53**
